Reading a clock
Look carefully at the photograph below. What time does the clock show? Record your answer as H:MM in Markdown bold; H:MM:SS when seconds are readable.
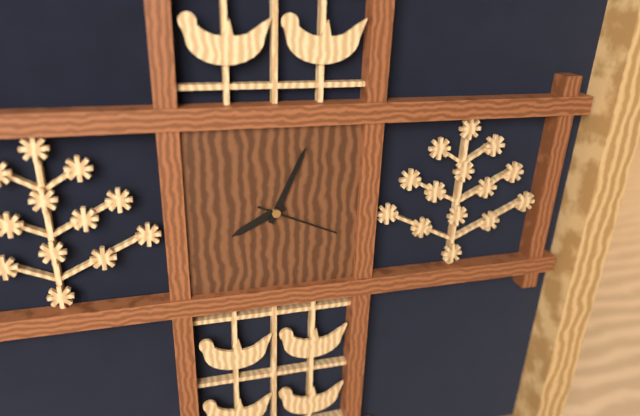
**8:04:19**
